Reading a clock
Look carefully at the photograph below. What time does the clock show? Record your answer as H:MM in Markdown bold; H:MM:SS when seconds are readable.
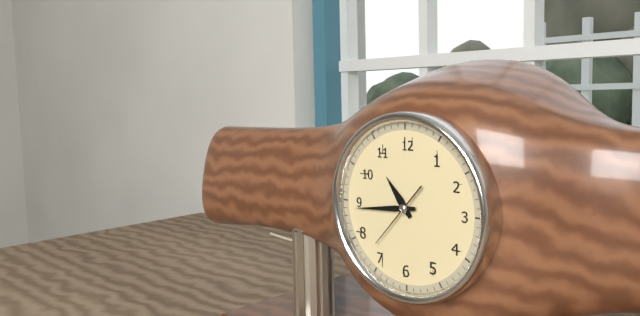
**10:44:37**
